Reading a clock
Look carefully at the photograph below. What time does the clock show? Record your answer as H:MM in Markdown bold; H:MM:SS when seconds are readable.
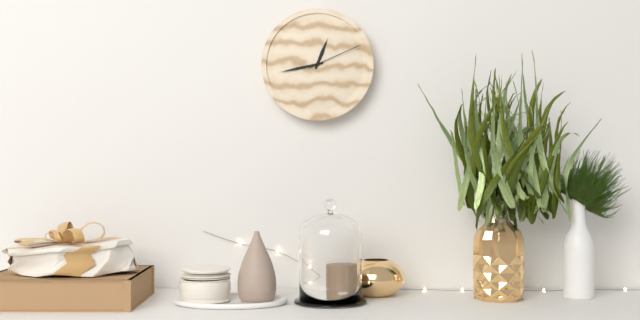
**12:43:11**
